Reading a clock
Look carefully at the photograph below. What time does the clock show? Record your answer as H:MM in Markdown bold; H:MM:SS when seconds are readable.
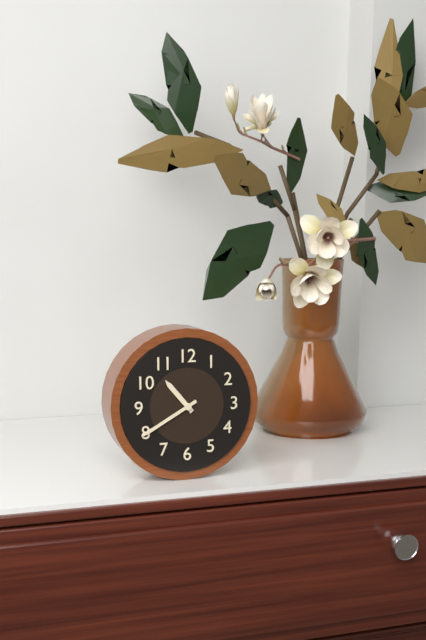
**10:40**
